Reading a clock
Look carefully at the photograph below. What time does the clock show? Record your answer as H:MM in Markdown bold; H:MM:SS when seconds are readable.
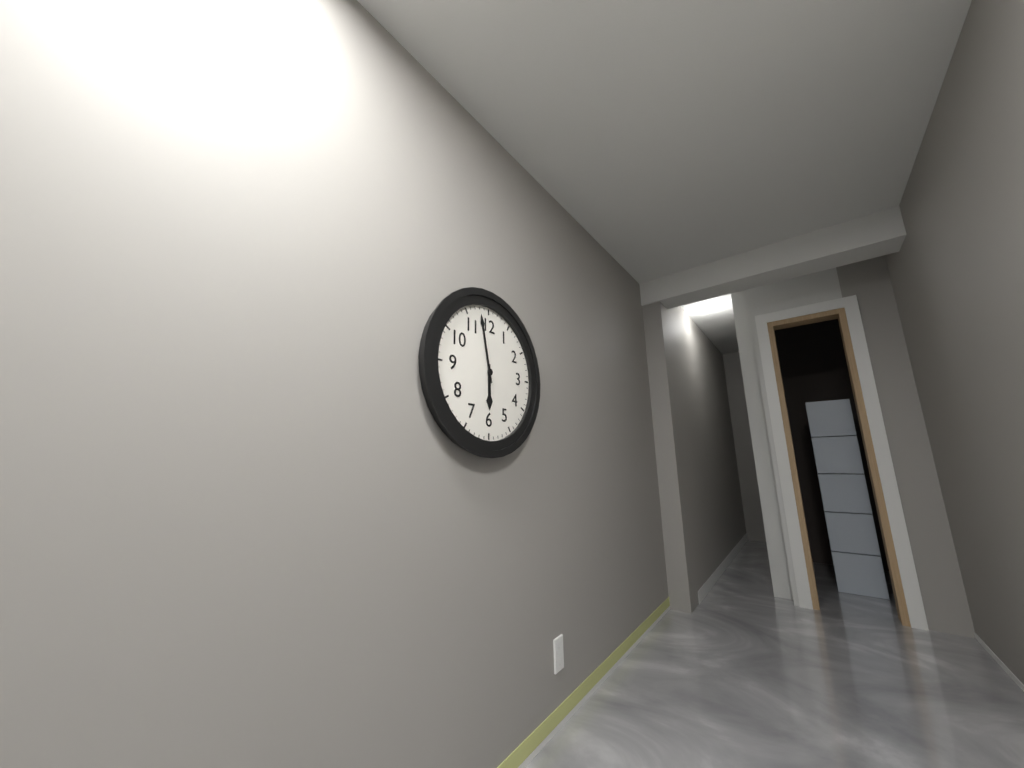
**5:58**
